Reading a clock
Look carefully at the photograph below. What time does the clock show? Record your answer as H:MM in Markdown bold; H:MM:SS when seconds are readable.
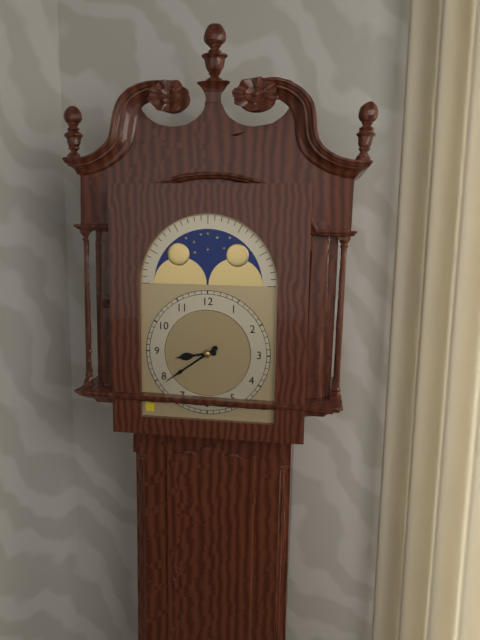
**8:39**
